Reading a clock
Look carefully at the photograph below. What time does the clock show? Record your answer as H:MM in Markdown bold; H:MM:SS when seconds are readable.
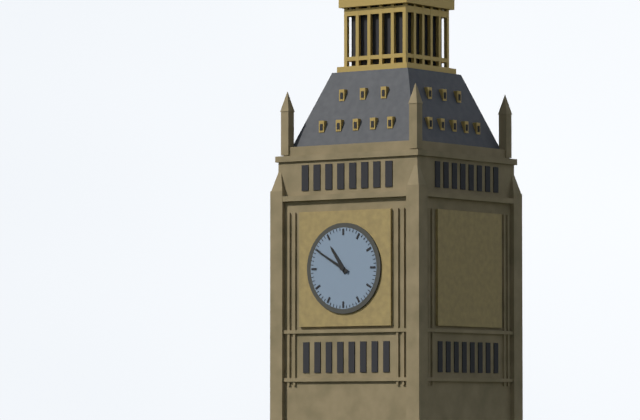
**10:50**
